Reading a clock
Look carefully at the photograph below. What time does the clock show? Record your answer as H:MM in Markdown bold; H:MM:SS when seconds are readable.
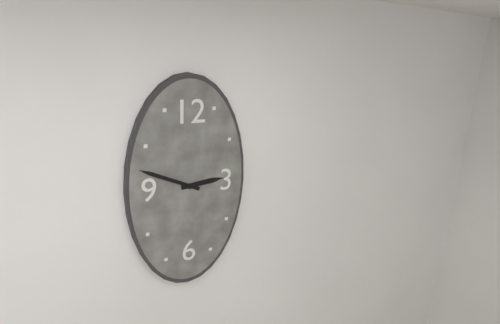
**2:49**
